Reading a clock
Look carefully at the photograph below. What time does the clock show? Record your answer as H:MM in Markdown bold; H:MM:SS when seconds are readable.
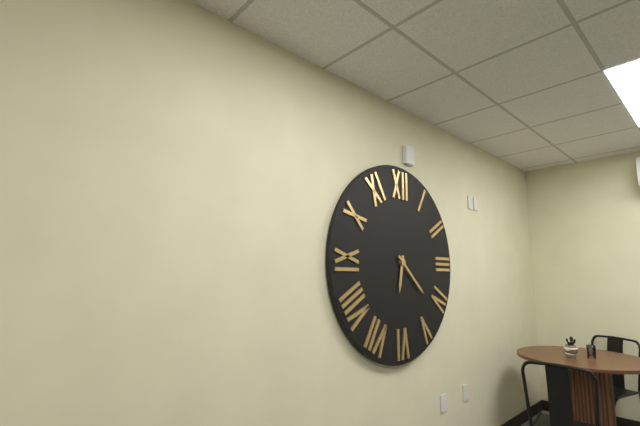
**6:22**
